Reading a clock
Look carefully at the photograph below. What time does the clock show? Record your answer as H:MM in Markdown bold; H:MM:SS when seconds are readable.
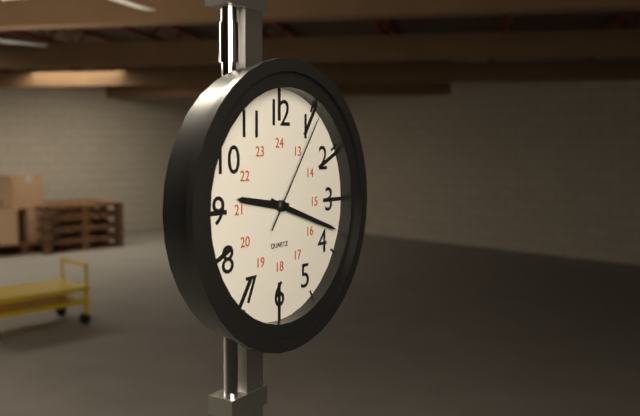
**9:18:06**
